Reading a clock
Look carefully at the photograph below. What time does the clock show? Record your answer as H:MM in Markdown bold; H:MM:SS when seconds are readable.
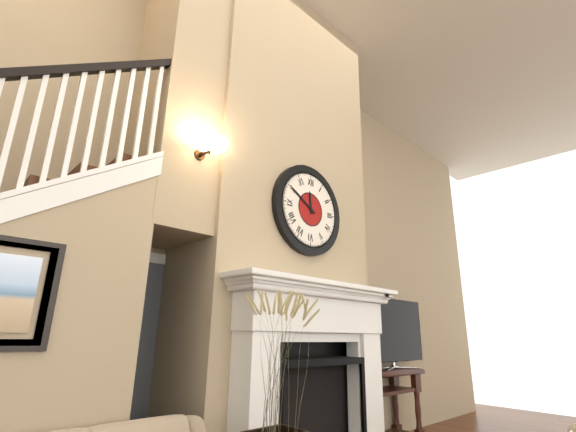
**11:50**
